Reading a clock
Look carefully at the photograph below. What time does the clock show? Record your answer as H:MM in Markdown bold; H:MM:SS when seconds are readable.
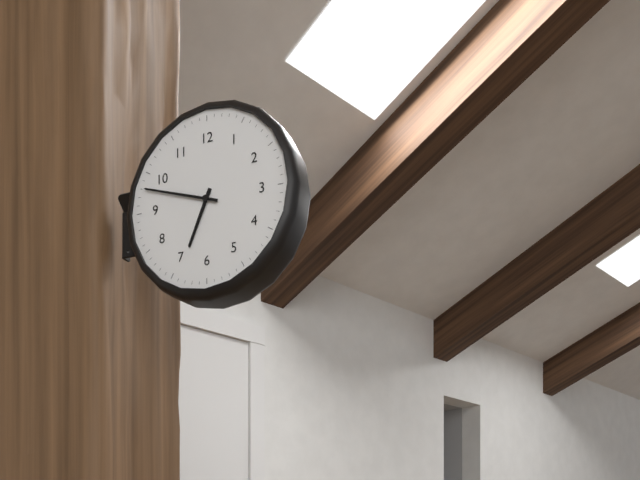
**6:48**
